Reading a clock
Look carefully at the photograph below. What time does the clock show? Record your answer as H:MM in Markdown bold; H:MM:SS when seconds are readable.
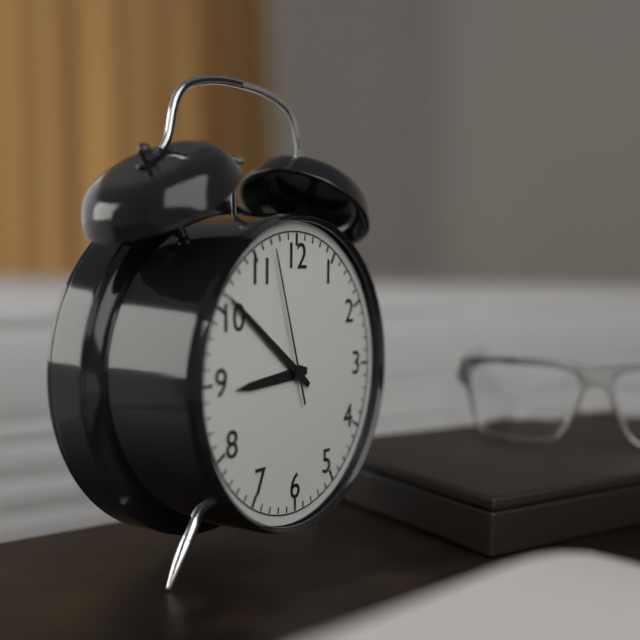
**8:51:57**
